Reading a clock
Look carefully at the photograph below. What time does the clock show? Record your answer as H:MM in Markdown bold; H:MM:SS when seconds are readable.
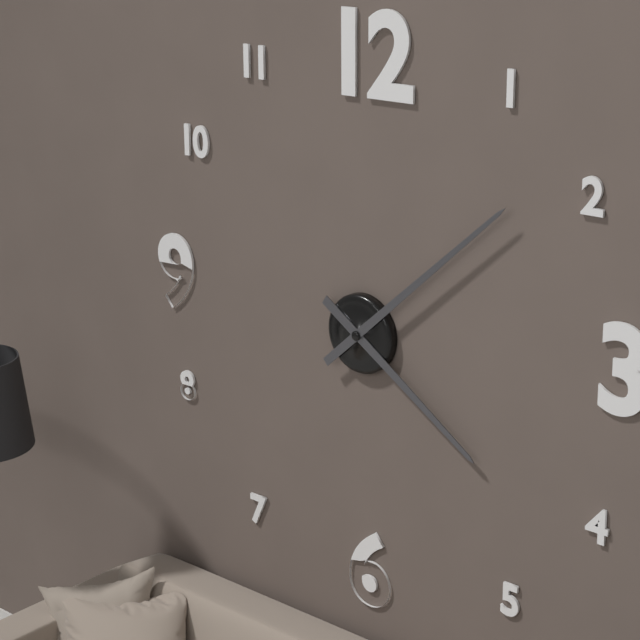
**4:08**
